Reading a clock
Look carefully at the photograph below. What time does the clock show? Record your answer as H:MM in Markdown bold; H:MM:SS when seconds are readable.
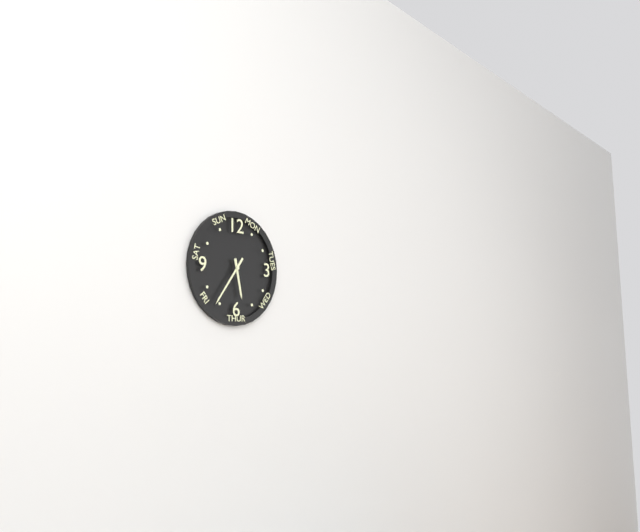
**5:36**
